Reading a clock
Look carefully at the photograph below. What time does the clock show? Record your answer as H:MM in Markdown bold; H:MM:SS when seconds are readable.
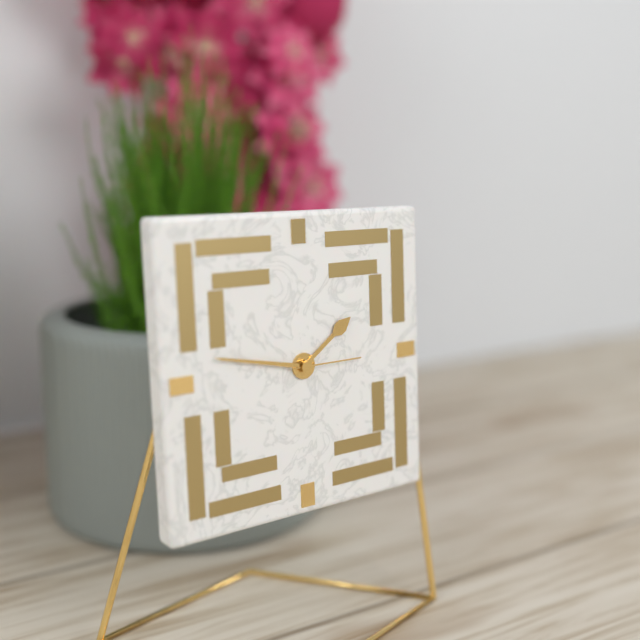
**1:47:15**
